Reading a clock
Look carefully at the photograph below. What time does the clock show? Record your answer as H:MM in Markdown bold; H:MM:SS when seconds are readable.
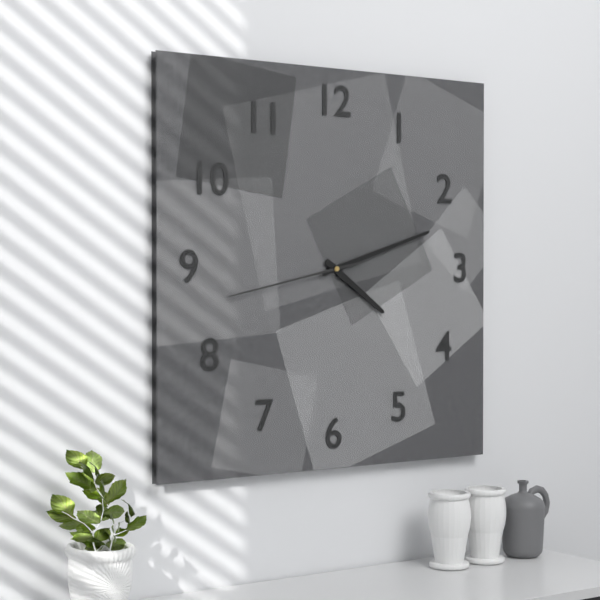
**4:12:43**
